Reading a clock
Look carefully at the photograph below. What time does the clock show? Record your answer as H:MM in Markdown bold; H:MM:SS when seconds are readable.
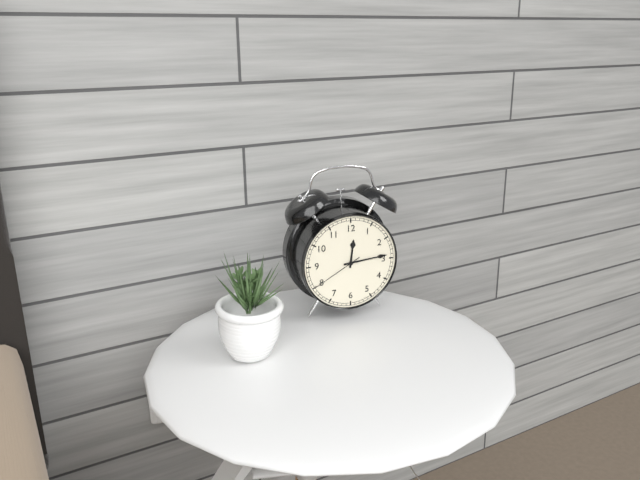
**12:14:40**
